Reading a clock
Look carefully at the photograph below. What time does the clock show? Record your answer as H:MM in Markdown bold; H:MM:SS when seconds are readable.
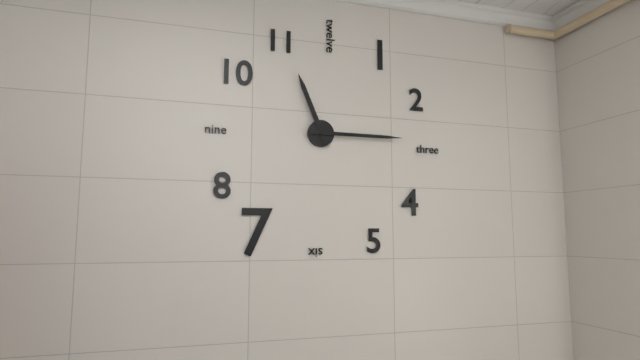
**11:15**
